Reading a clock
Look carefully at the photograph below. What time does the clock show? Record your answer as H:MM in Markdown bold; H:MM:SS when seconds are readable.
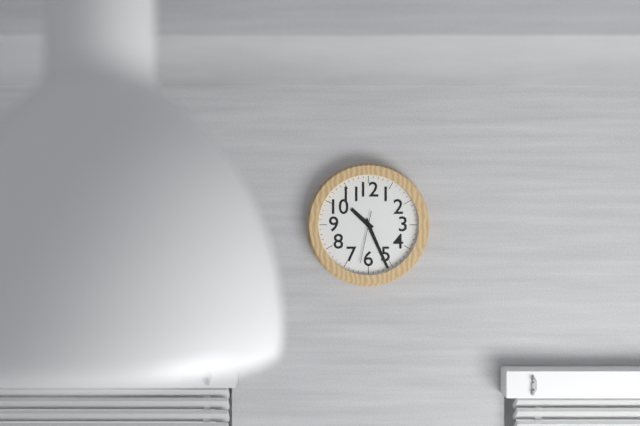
**10:26**
